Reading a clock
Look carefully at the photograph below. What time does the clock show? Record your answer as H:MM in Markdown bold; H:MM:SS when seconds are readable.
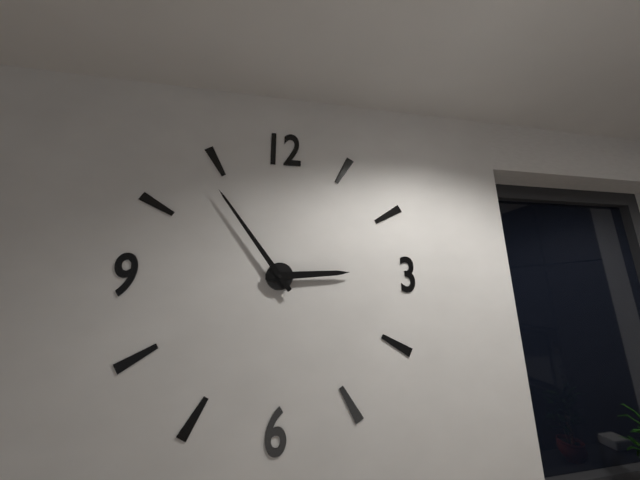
**2:54**
